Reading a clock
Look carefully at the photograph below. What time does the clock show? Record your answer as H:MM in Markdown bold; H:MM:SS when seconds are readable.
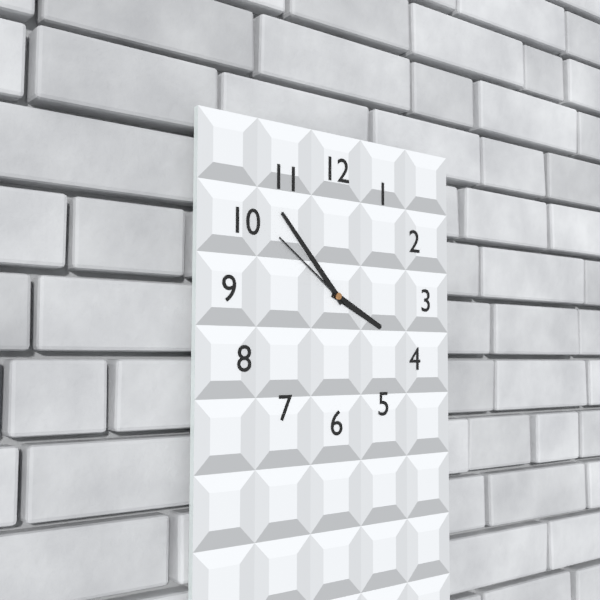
**3:53:51**
